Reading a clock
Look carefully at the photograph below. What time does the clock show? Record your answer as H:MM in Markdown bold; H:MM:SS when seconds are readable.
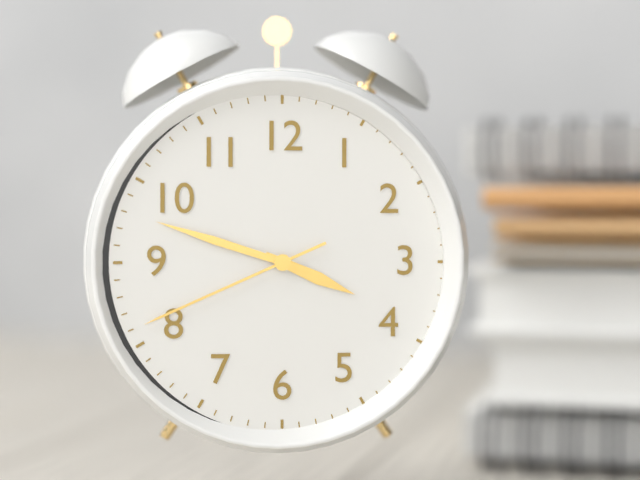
**3:48:41**
